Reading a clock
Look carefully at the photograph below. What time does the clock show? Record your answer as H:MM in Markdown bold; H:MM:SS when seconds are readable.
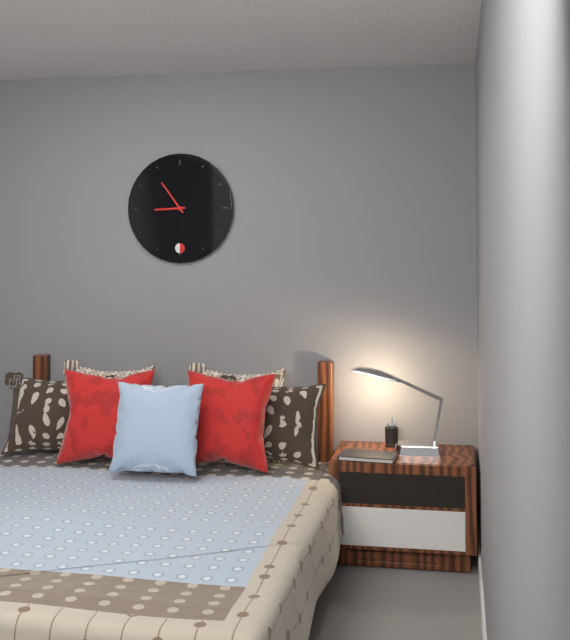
**8:54**
